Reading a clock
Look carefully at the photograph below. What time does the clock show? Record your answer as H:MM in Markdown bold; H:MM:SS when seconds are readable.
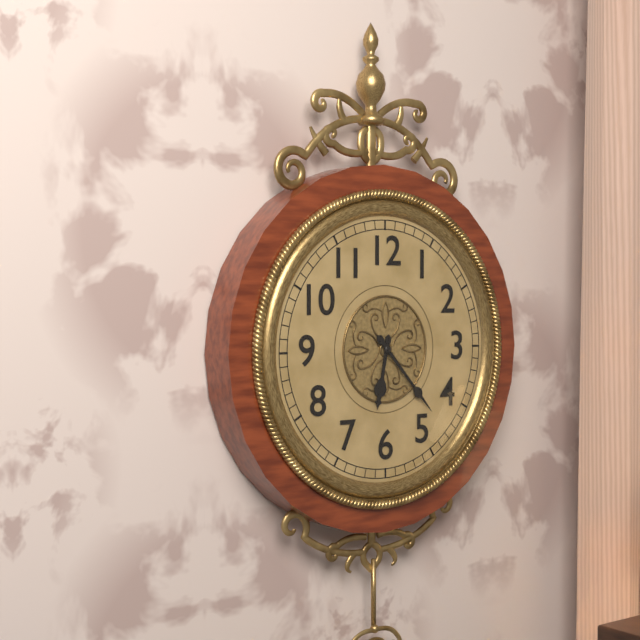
**6:23**
